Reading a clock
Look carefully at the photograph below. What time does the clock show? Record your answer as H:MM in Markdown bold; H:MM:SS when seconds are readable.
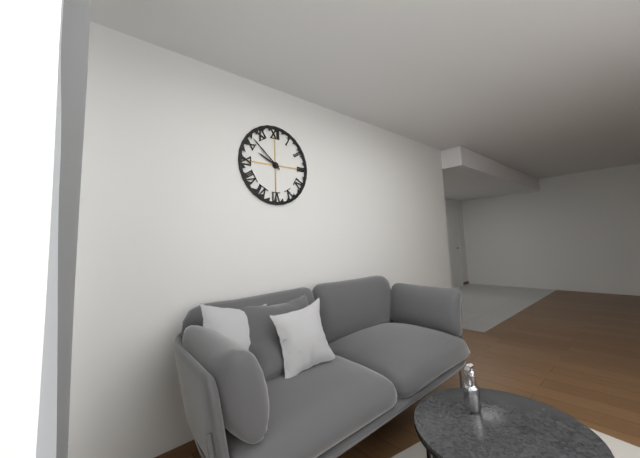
**9:52**
